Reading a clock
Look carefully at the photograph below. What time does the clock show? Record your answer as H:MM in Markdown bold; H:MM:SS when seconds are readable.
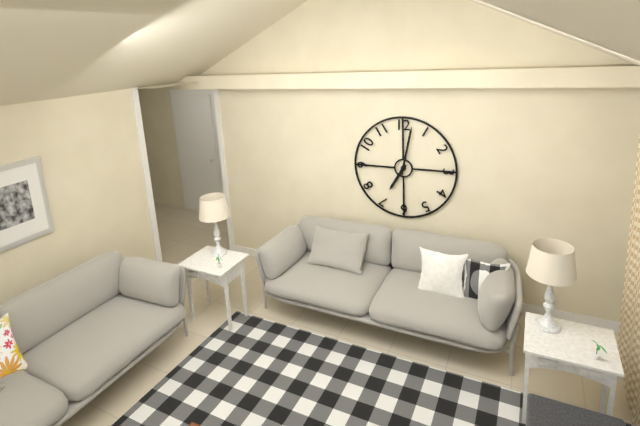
**7:02**
